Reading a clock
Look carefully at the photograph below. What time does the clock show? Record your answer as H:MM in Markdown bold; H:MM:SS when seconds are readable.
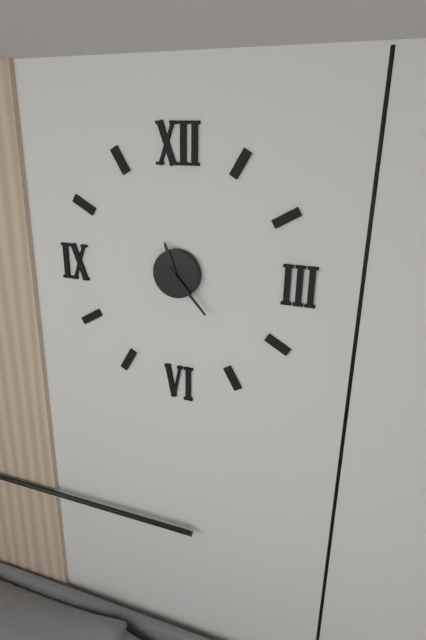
**11:23**
